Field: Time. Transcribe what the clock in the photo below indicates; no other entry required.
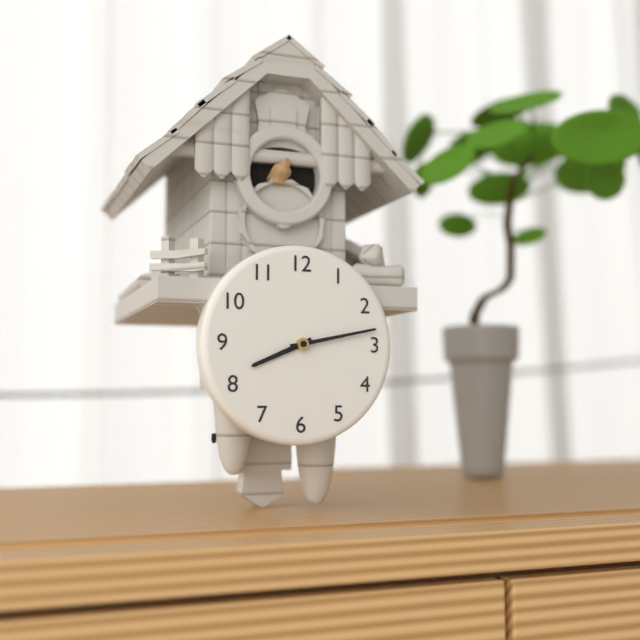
8:13
